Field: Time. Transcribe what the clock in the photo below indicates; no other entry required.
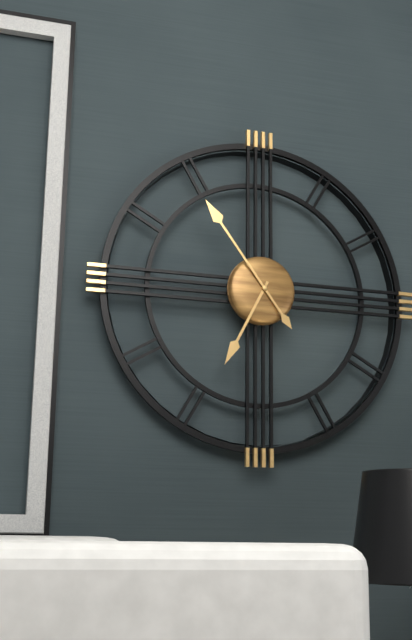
6:54
